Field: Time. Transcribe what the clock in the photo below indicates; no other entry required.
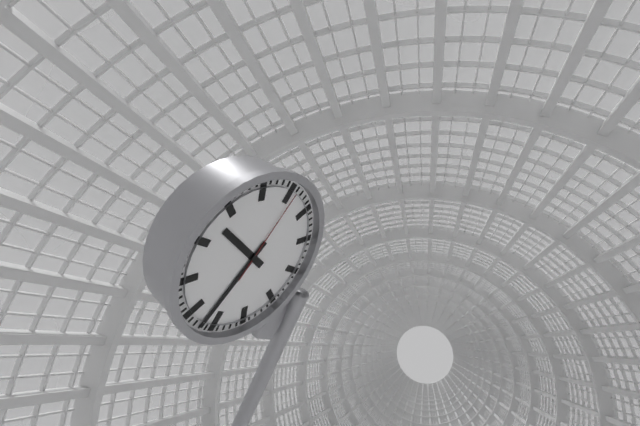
9:32:01
